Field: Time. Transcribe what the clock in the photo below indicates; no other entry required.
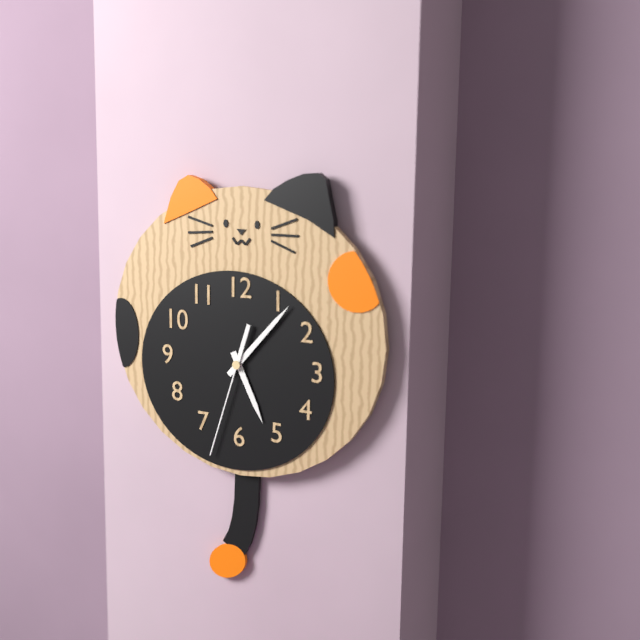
5:07:33
